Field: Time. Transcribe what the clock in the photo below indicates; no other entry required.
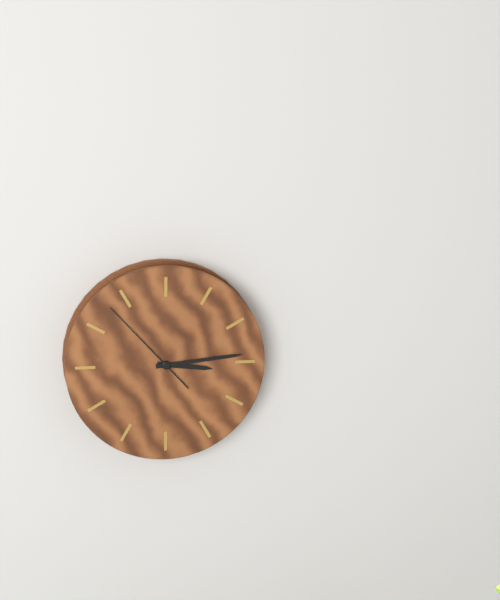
3:14:53
